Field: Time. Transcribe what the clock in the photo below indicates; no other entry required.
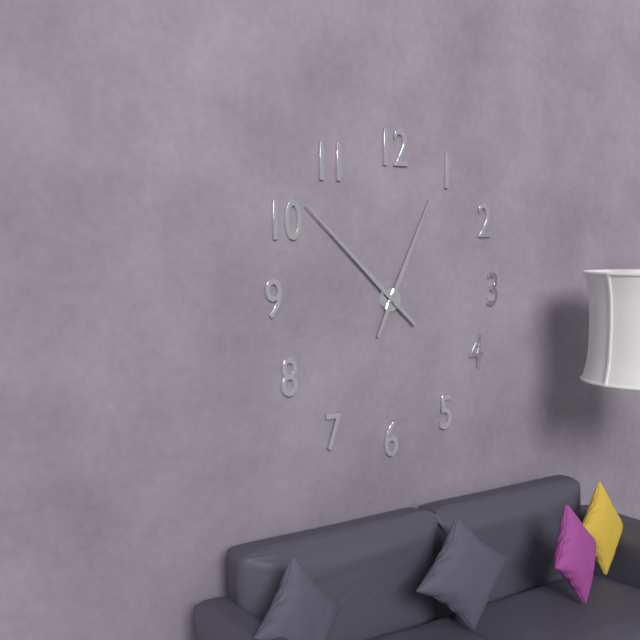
12:52
